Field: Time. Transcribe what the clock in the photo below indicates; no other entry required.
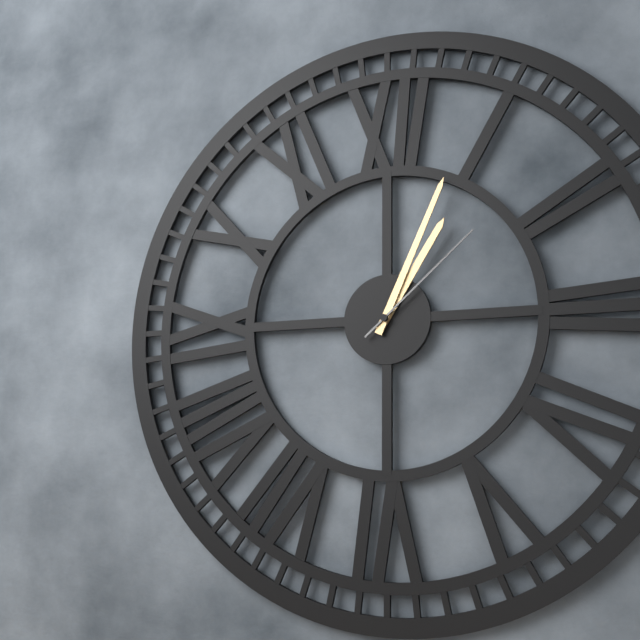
1:04:08
